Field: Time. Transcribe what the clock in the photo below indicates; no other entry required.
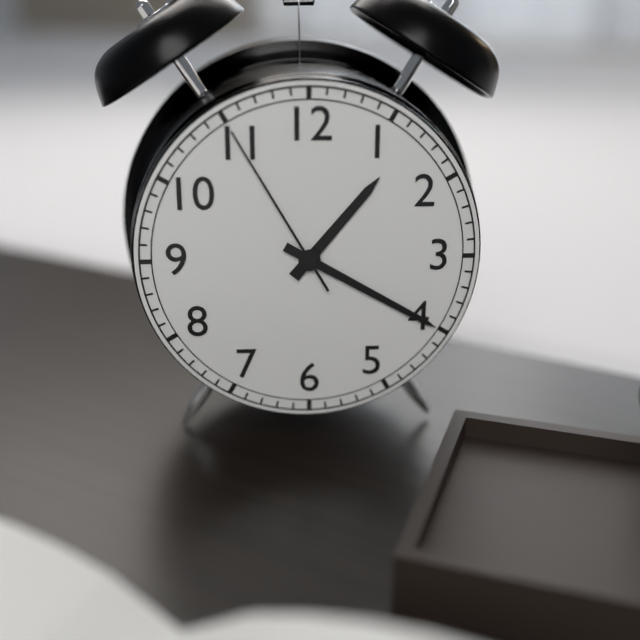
1:20:55
